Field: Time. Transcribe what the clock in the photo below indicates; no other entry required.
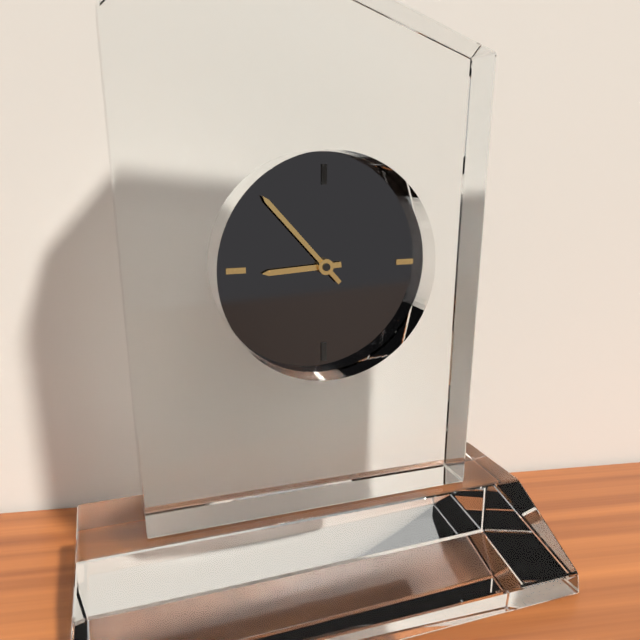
8:53
